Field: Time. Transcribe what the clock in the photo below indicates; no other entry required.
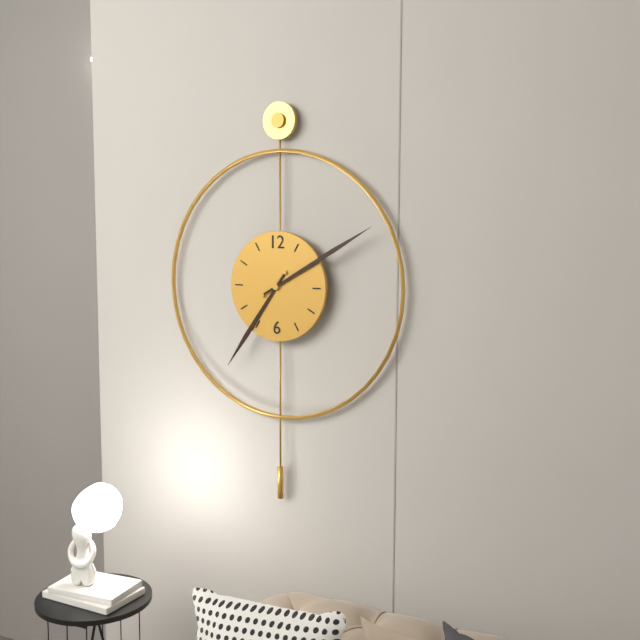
7:10
